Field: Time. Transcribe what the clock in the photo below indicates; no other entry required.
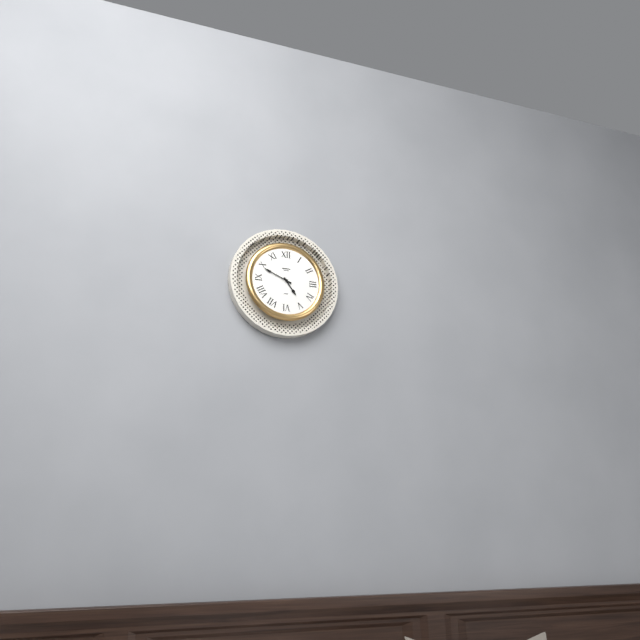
4:49
